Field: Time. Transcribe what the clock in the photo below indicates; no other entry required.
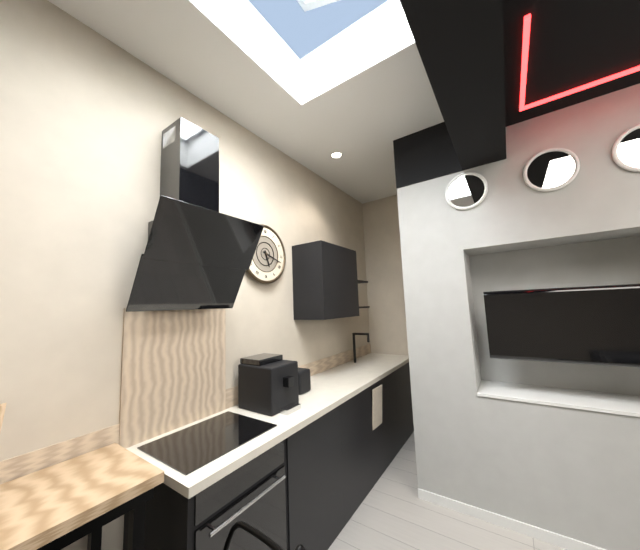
5:18
